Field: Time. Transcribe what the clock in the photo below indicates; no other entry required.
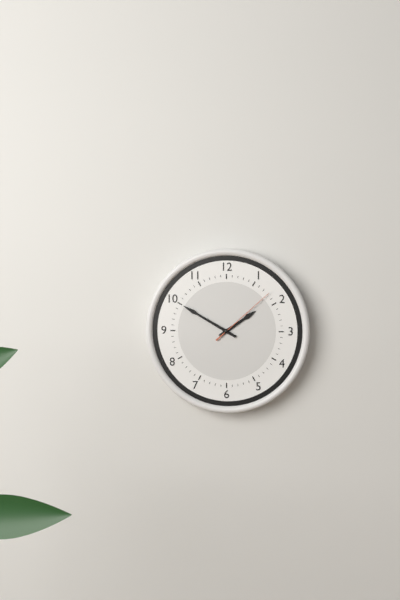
1:50:08
